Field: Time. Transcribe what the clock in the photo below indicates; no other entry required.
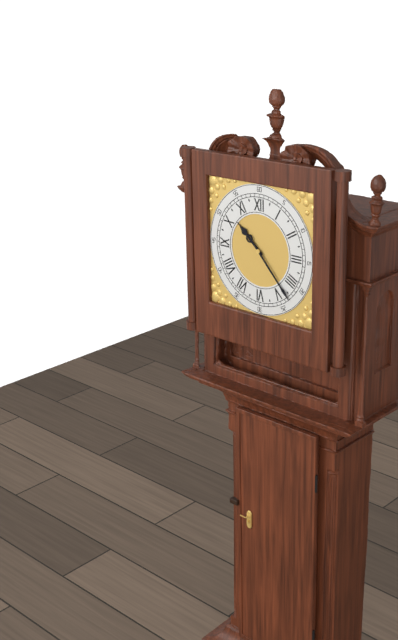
10:23
